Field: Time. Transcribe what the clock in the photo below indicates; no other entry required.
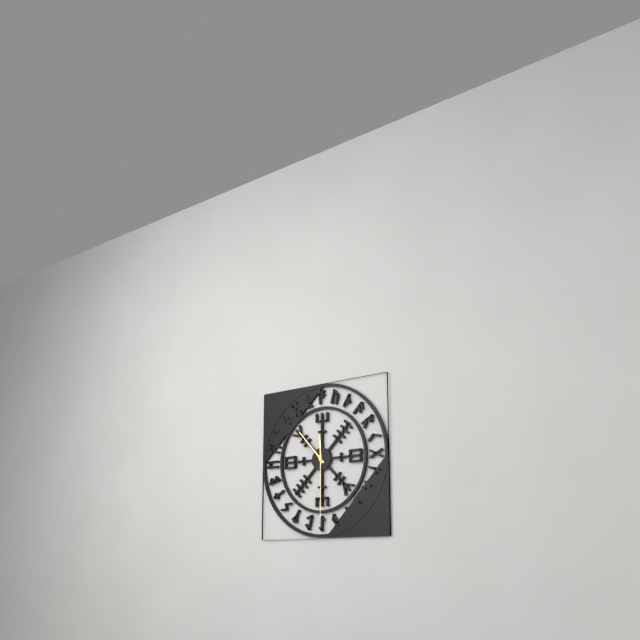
11:53:30
